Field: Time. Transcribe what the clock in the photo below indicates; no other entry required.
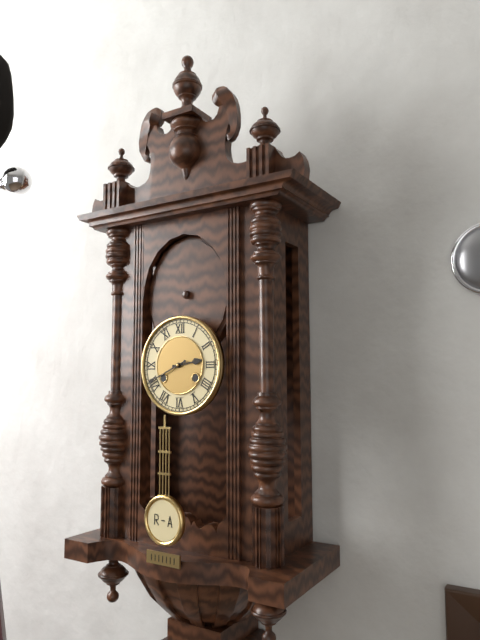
2:41
